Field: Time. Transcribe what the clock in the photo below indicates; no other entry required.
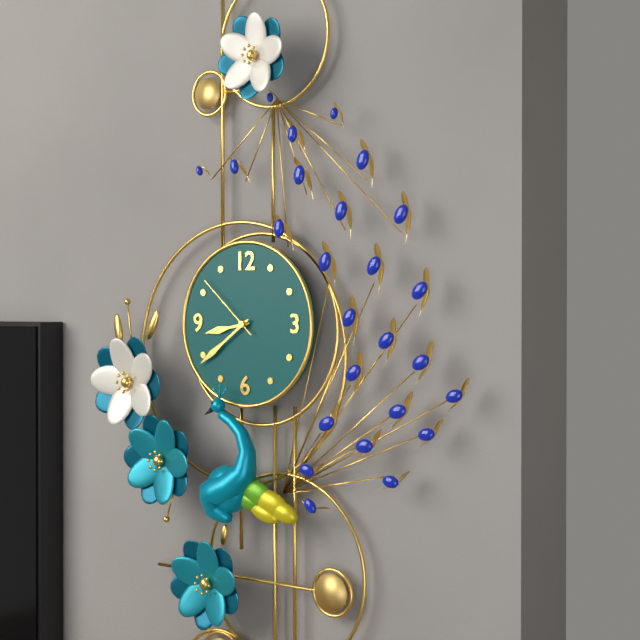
8:39:52
